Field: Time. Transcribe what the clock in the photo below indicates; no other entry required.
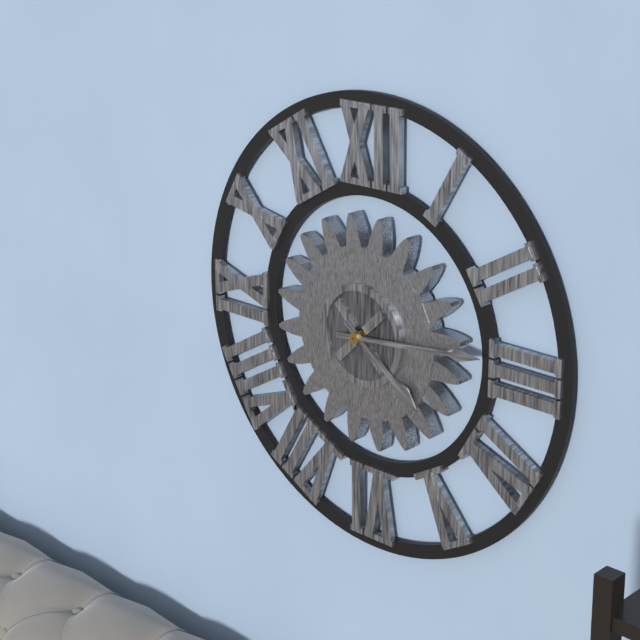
4:14
